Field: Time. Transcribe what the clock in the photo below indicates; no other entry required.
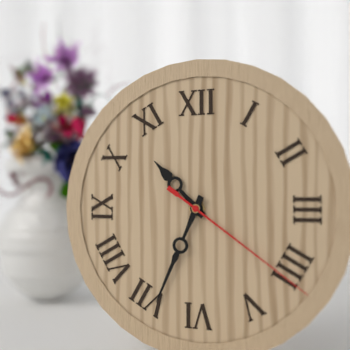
10:34:21
